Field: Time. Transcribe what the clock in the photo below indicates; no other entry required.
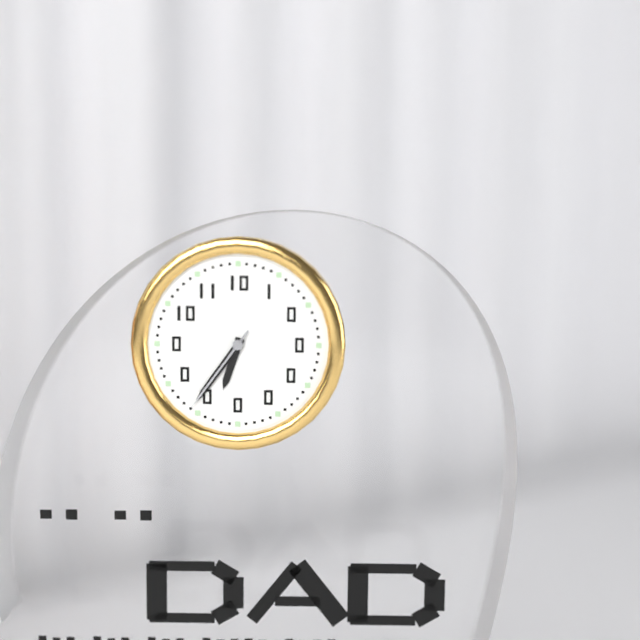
6:36:36
